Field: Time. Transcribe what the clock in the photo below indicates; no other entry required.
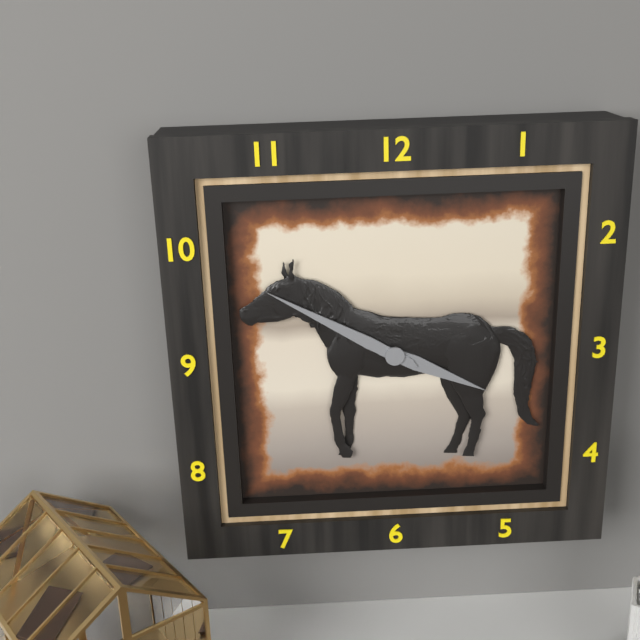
3:50
